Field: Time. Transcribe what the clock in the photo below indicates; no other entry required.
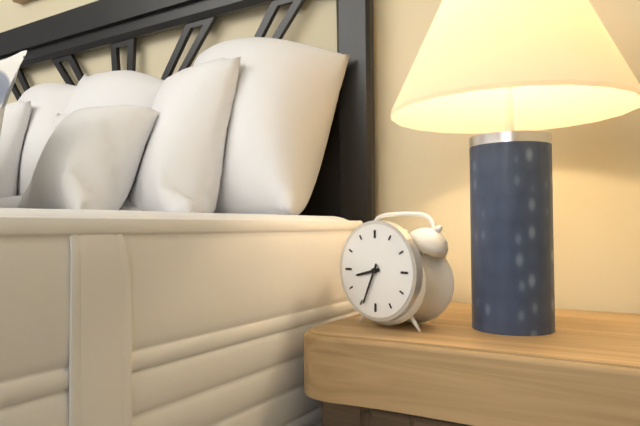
8:34
